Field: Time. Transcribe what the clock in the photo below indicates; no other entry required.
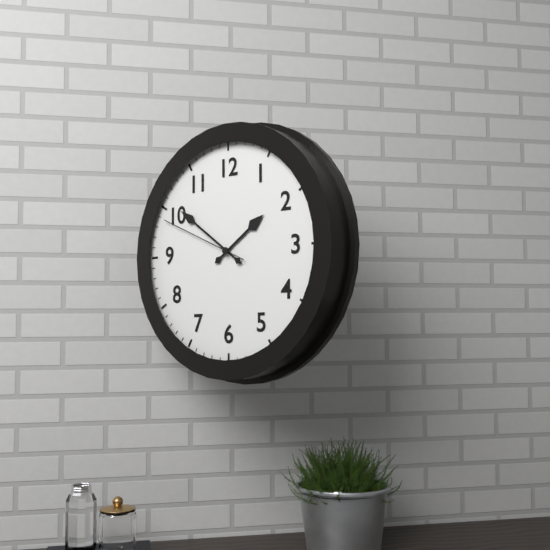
1:51:49
